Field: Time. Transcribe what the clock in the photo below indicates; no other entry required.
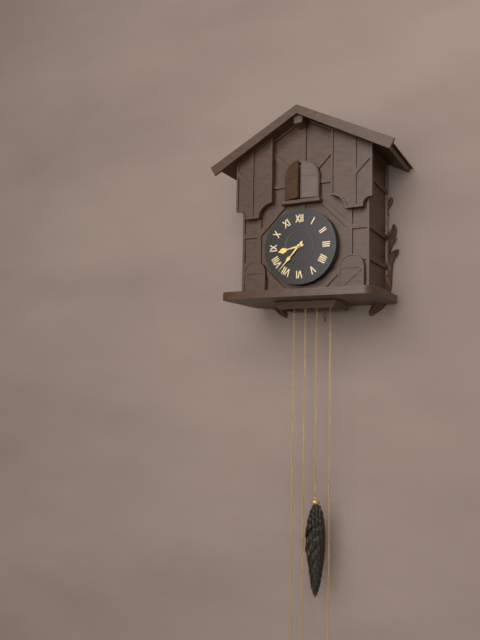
8:37
